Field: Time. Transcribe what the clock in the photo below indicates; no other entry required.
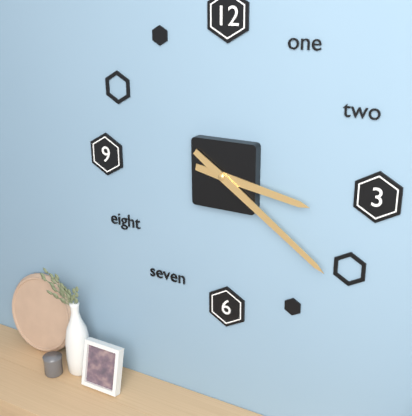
3:21
